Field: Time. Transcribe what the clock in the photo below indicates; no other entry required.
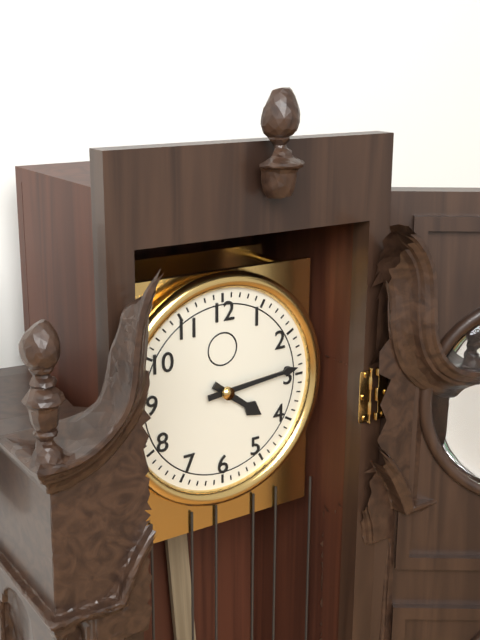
4:14
